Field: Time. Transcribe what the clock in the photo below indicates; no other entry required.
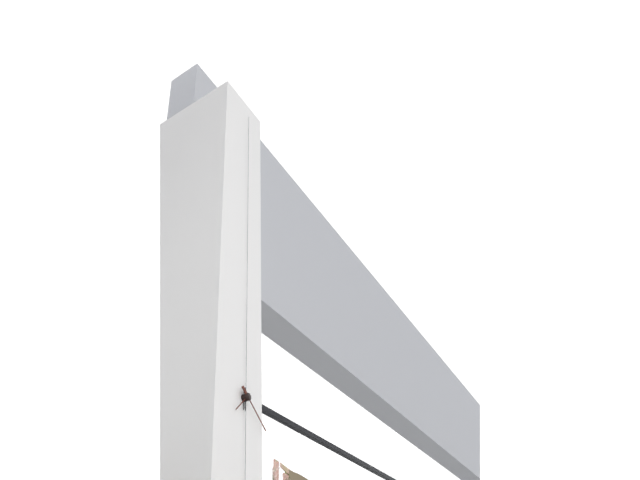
7:22
